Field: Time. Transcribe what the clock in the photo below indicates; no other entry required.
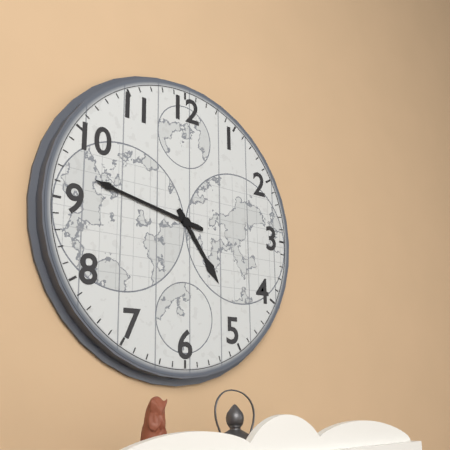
4:47
